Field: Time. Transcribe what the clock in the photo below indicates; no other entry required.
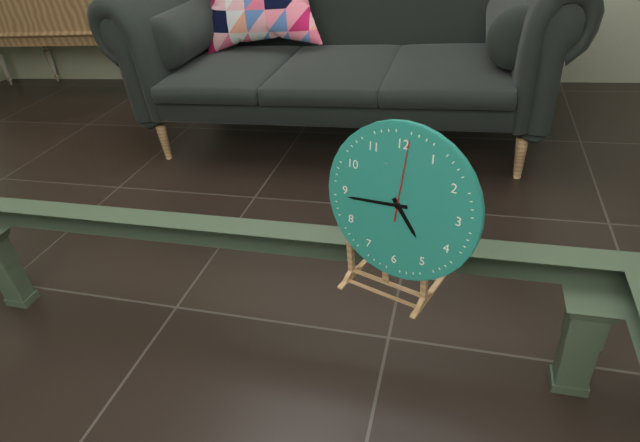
4:44:01
